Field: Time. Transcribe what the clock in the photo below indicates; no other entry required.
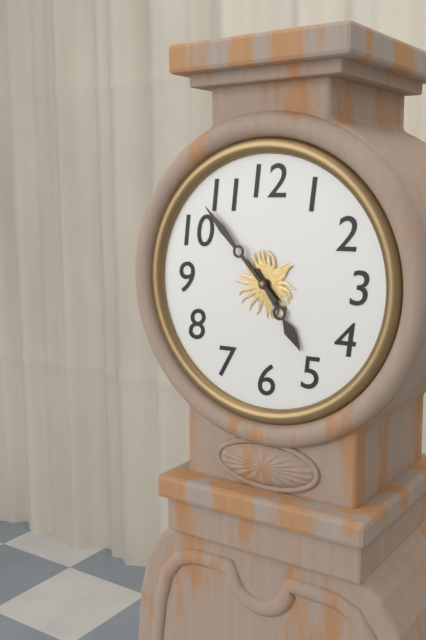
4:53
